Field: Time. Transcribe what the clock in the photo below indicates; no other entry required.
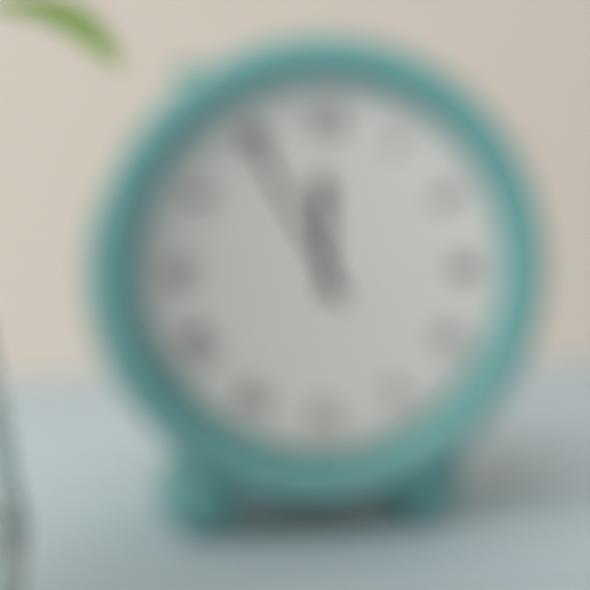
11:55
